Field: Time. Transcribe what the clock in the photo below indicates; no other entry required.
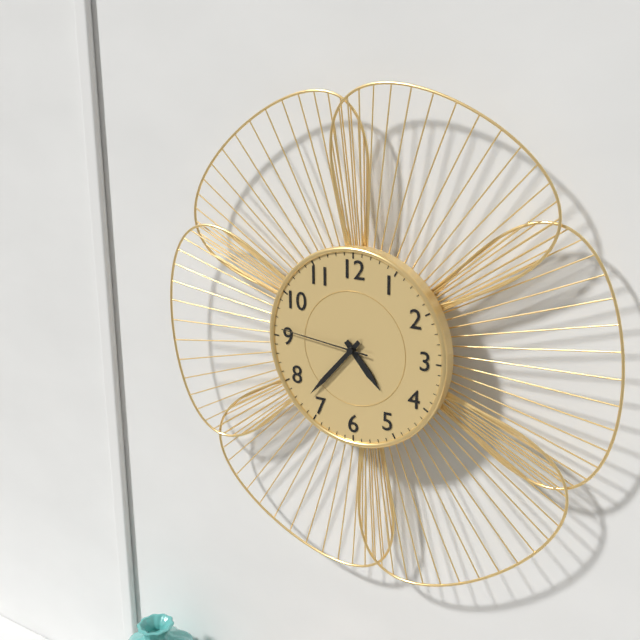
4:37:46
